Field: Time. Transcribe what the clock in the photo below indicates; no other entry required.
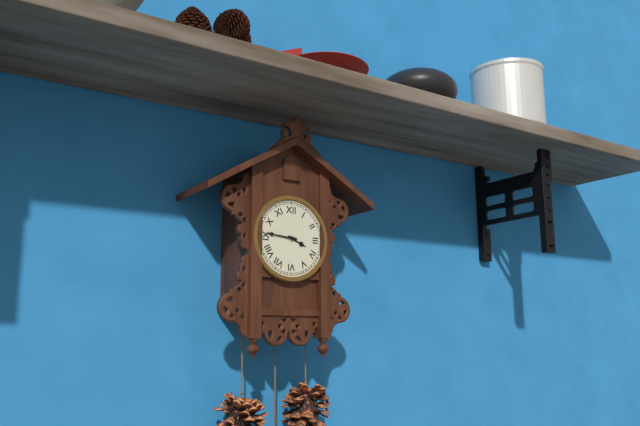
3:46
